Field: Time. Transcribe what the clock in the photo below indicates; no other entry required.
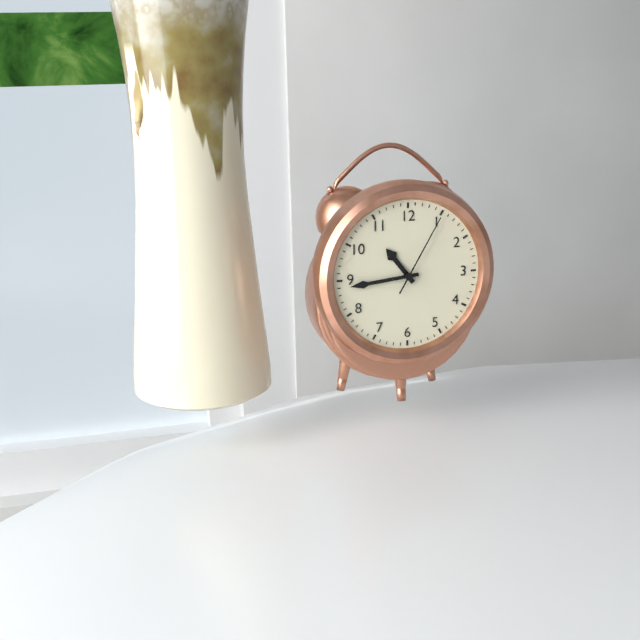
10:44:05
